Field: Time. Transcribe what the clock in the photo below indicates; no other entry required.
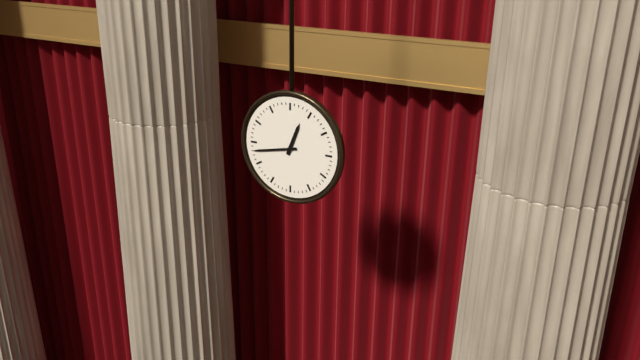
12:43
